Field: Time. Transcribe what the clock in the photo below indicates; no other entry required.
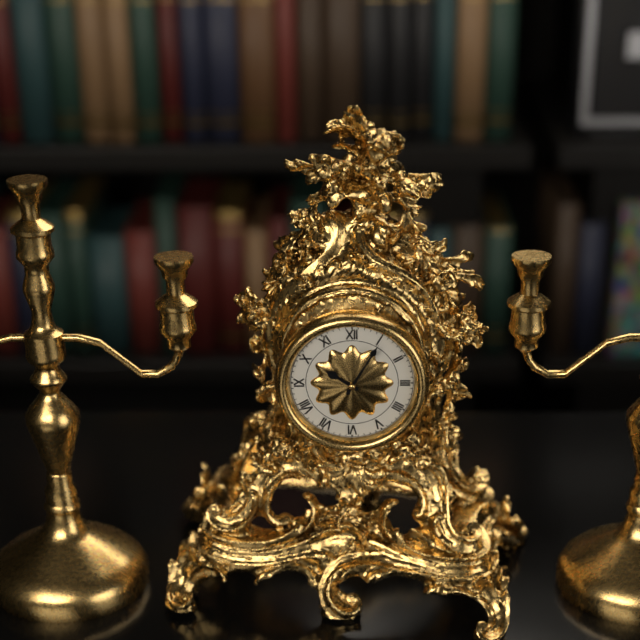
10:05
